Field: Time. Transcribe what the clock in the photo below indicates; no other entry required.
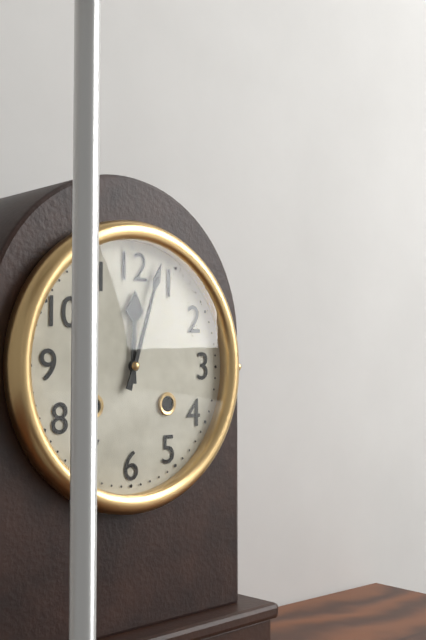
12:03
